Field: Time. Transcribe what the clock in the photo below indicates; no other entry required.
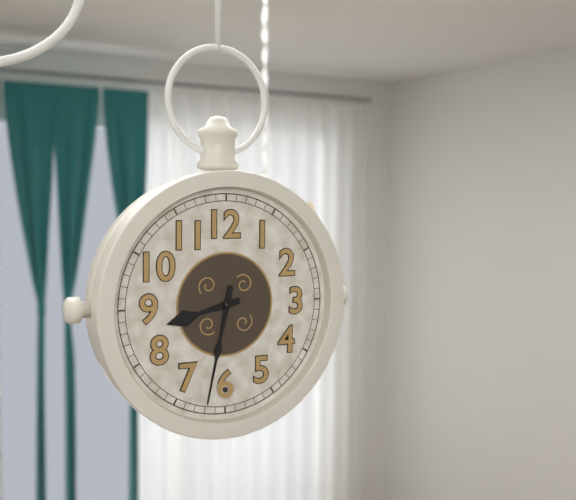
8:32
